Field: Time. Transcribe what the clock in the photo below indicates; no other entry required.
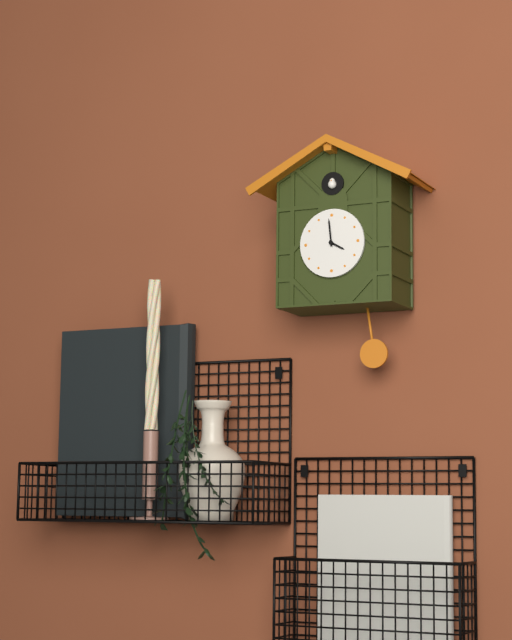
3:59
